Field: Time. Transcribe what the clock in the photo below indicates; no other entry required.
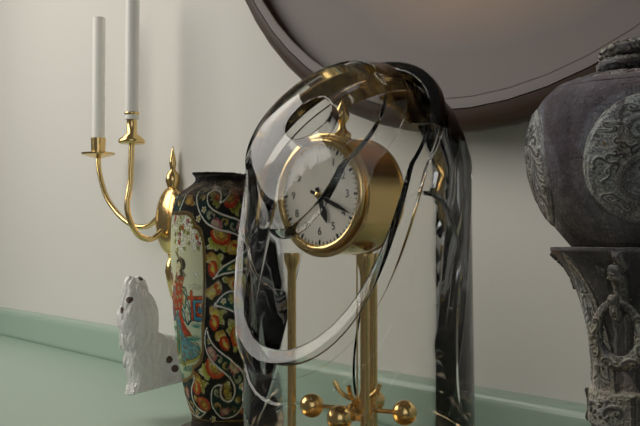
5:19
